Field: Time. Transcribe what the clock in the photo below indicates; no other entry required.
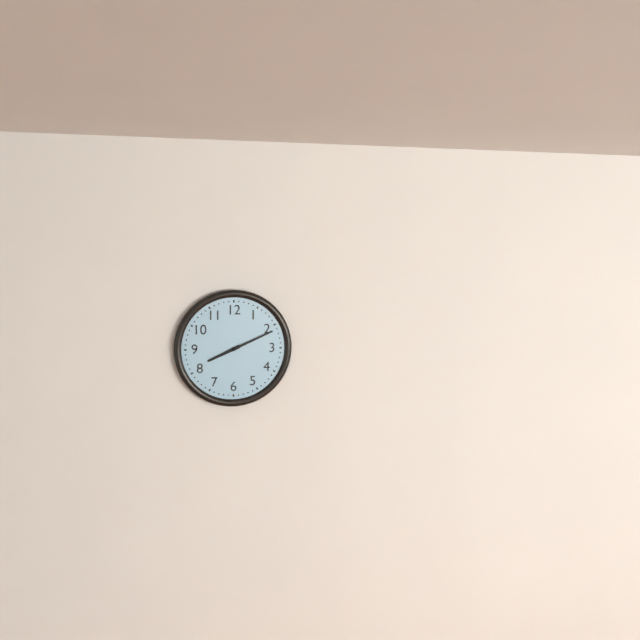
8:11
